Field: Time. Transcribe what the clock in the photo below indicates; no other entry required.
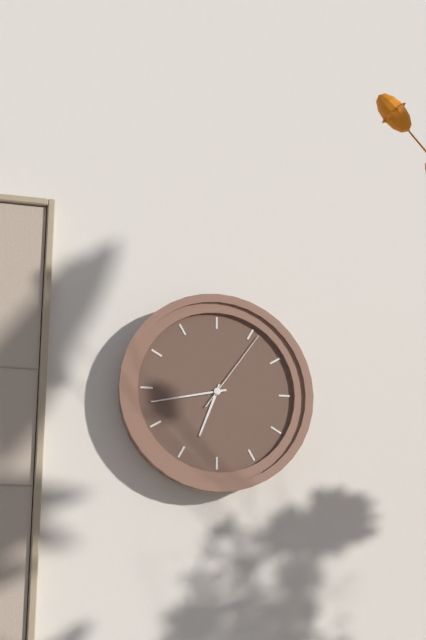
6:43:06
